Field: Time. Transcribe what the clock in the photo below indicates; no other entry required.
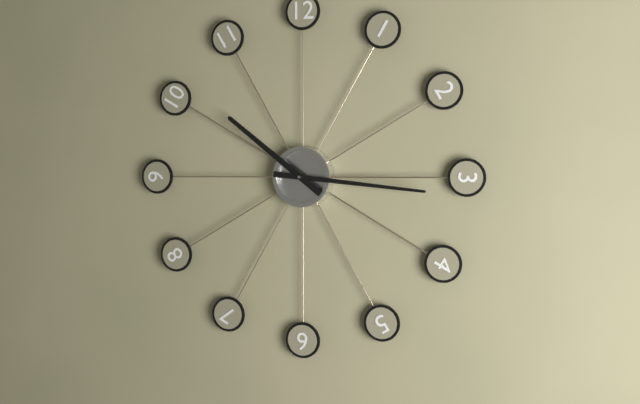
10:16
